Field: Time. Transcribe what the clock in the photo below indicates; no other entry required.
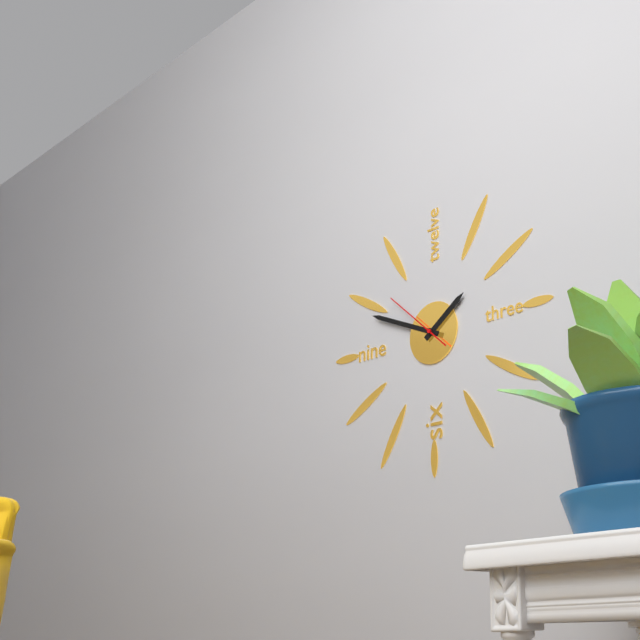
1:49:52
